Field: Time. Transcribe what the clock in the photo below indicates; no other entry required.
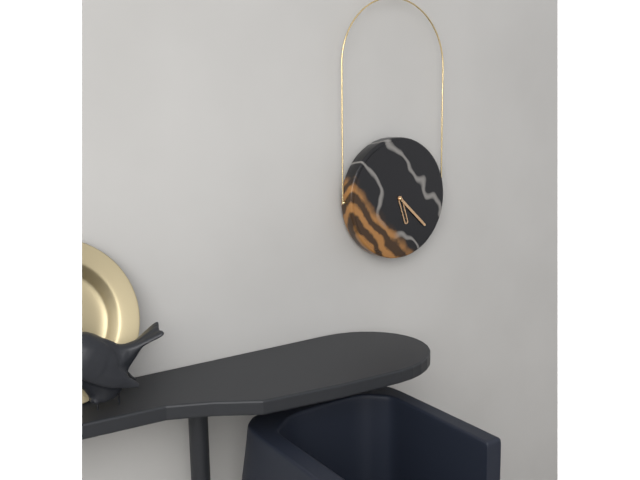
5:22
